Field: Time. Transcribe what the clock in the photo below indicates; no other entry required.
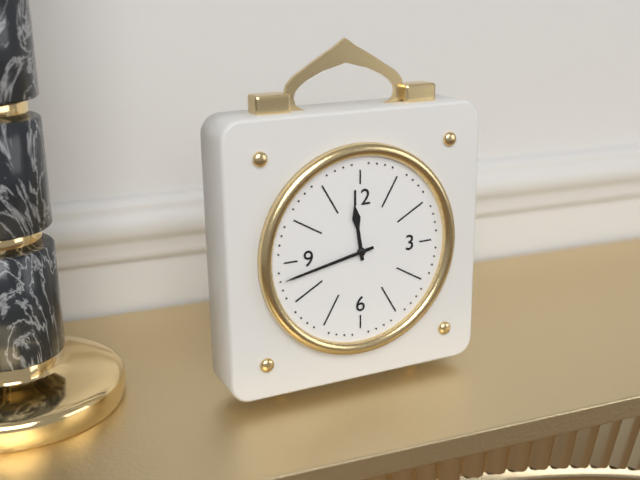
11:43
